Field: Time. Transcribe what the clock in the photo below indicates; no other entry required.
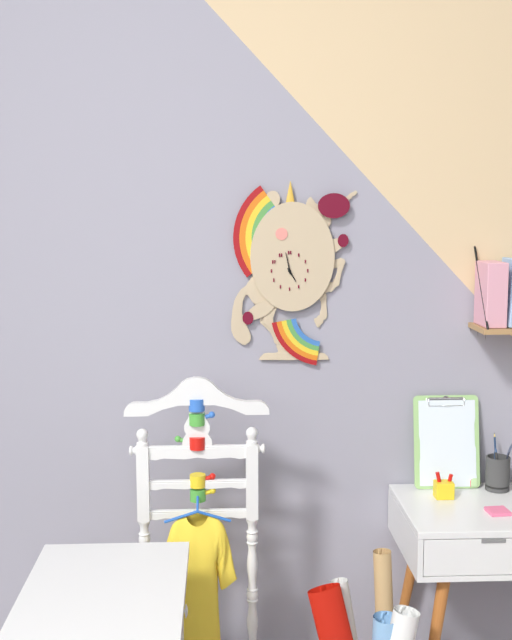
4:58
